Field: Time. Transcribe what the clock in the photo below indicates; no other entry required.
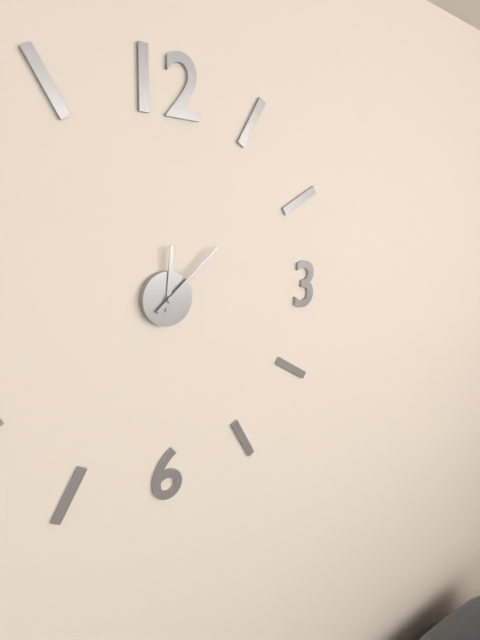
12:08
